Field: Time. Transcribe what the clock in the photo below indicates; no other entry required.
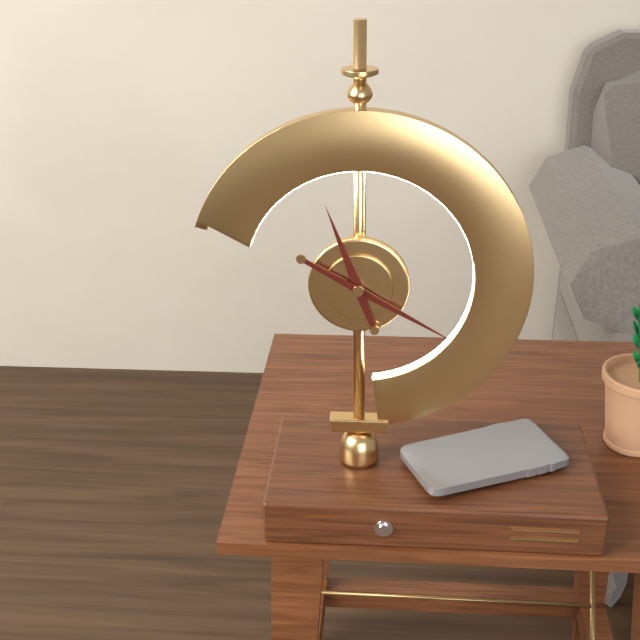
11:20
